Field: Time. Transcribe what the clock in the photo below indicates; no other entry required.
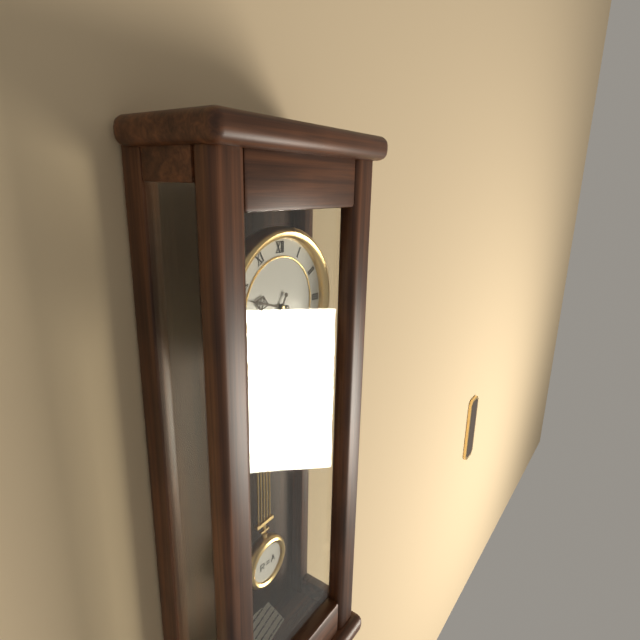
9:35
